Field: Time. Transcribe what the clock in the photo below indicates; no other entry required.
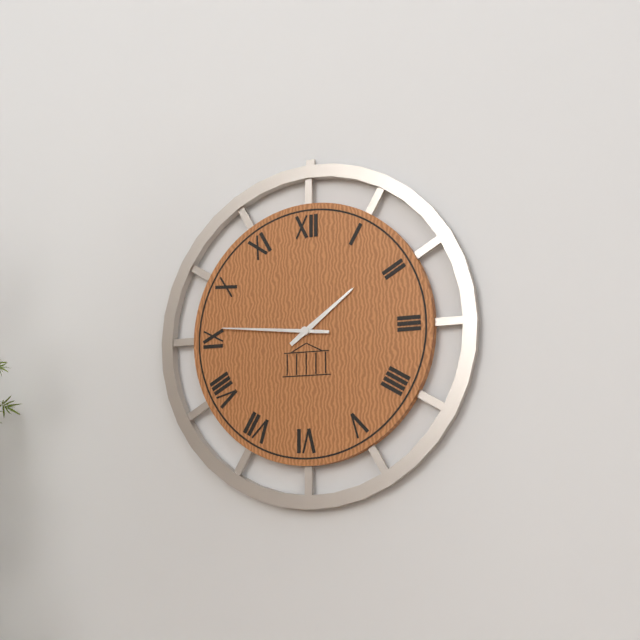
1:46
